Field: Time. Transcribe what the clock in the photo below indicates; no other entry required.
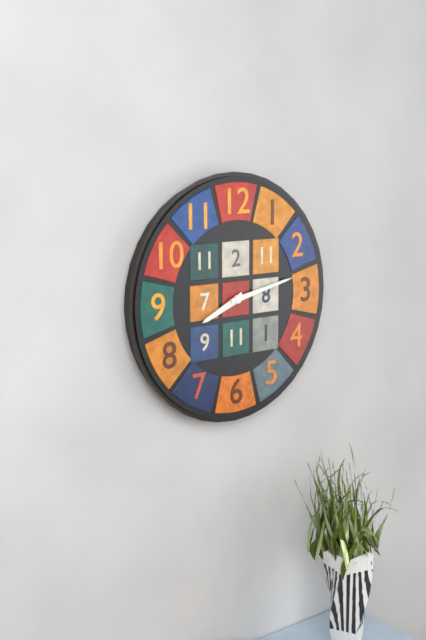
8:13
